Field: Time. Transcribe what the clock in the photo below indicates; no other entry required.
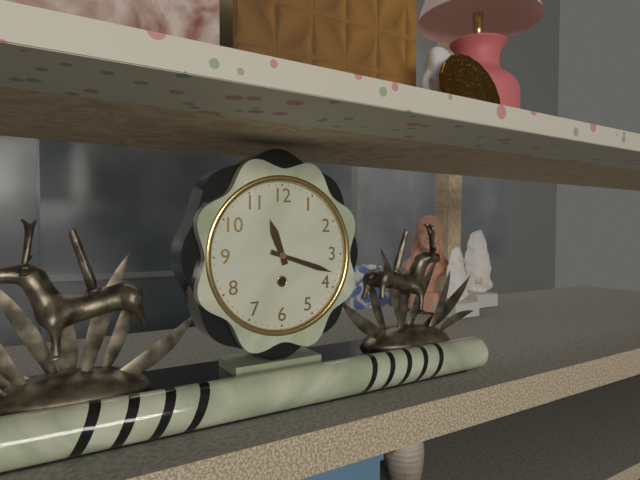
11:18
